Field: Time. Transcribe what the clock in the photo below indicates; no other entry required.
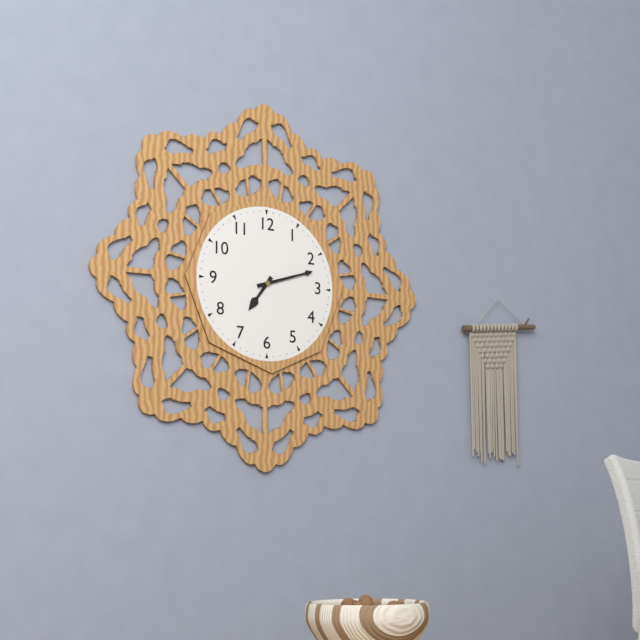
7:12
